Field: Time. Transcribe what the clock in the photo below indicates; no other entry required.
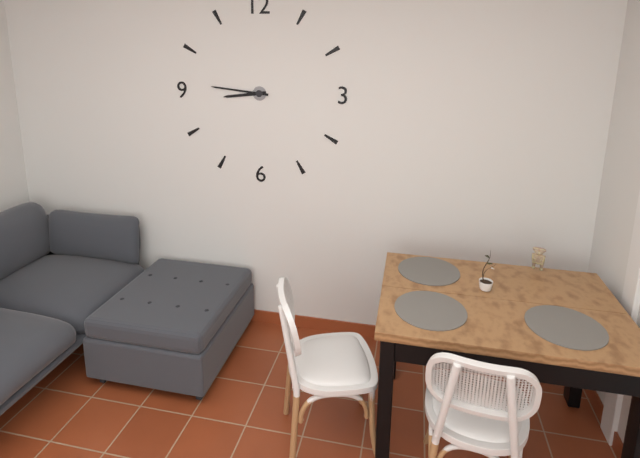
8:46
